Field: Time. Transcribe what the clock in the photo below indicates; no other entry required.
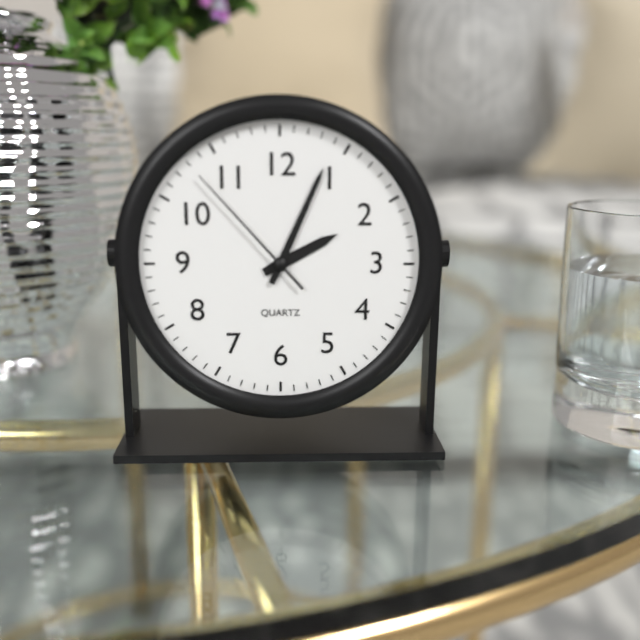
2:04:53
